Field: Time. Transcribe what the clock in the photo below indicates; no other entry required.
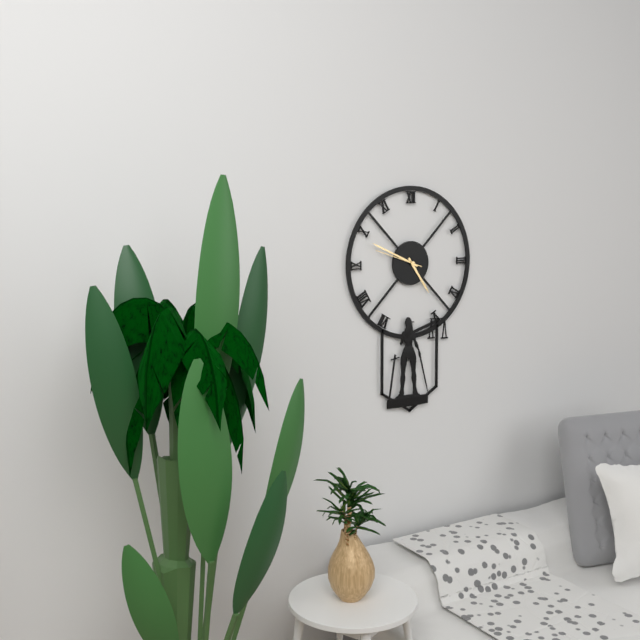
4:49
